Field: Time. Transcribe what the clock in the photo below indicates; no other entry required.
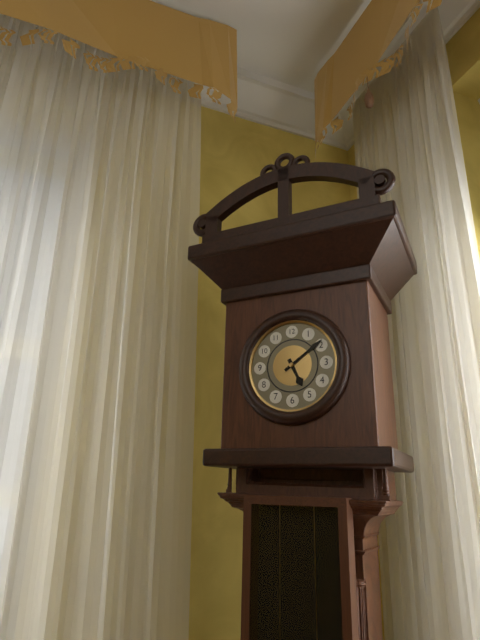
5:09
